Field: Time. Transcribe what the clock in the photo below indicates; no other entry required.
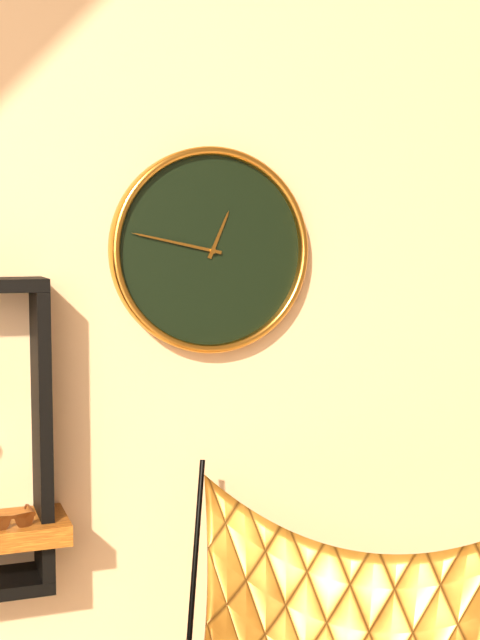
12:47
